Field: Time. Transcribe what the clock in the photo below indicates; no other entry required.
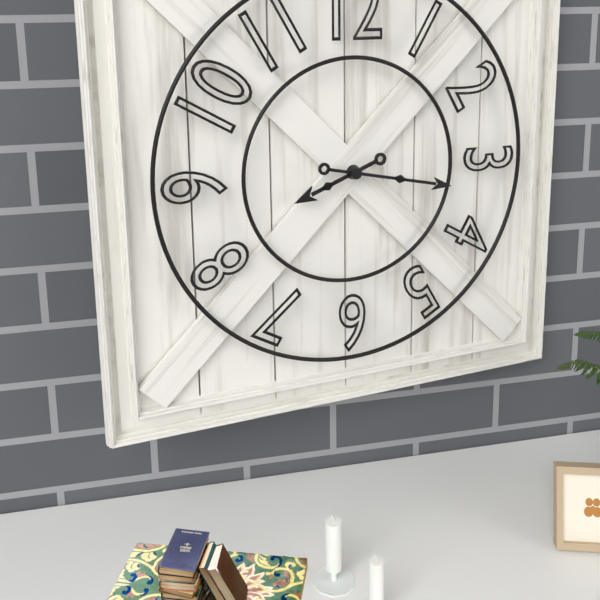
8:17
